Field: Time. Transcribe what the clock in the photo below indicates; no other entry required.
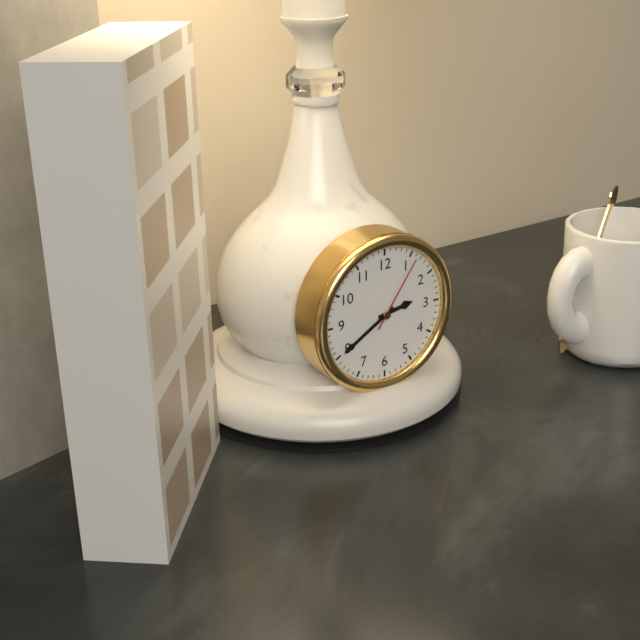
2:40:06
